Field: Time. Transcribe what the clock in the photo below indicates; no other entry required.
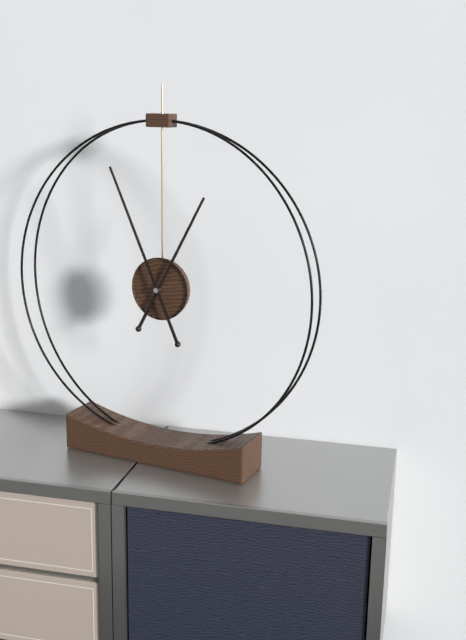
12:56
